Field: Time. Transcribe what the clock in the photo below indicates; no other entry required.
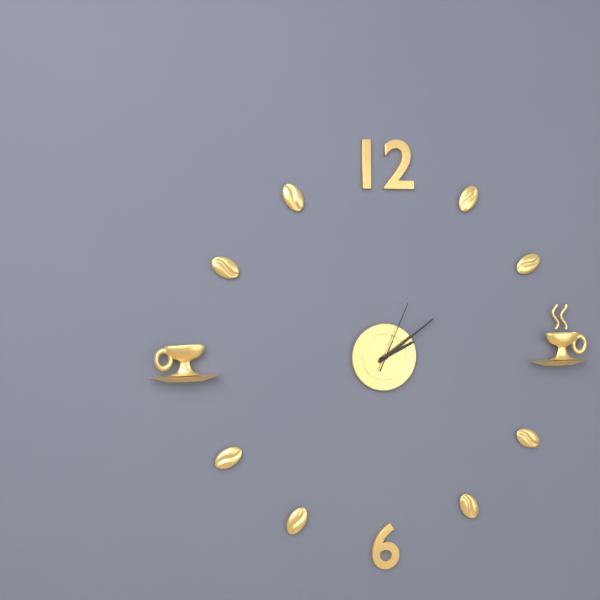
2:09:04
